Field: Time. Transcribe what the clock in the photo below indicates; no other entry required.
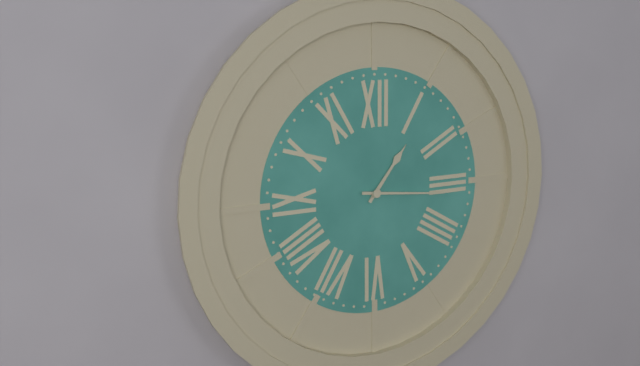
1:16
